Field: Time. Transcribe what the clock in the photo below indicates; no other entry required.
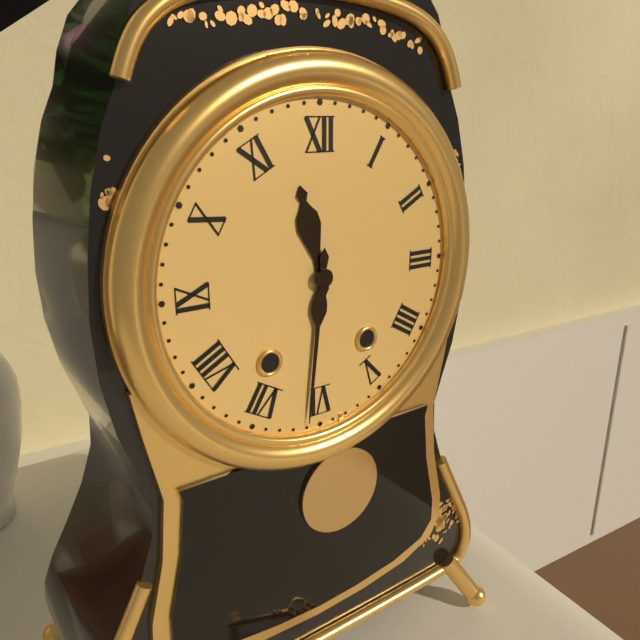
11:31
